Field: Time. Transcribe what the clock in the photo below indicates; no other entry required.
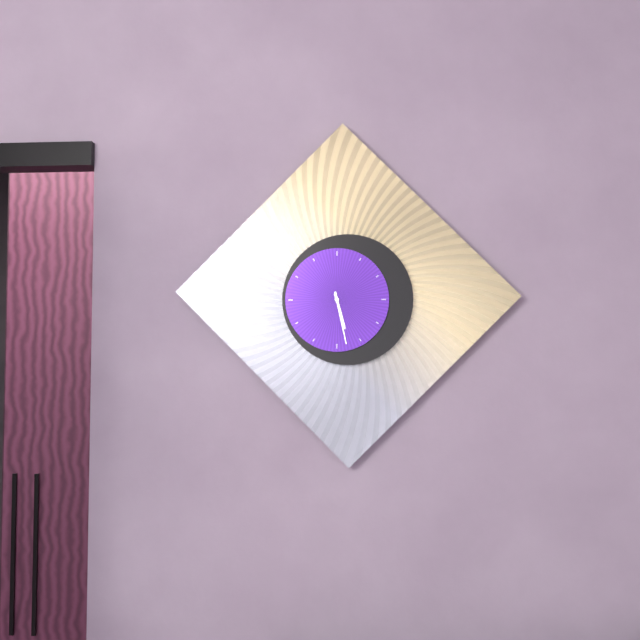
5:28
